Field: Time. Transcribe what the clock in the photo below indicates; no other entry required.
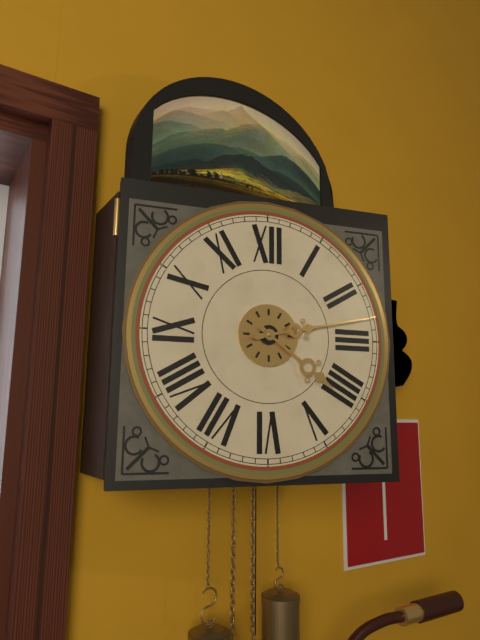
4:13
